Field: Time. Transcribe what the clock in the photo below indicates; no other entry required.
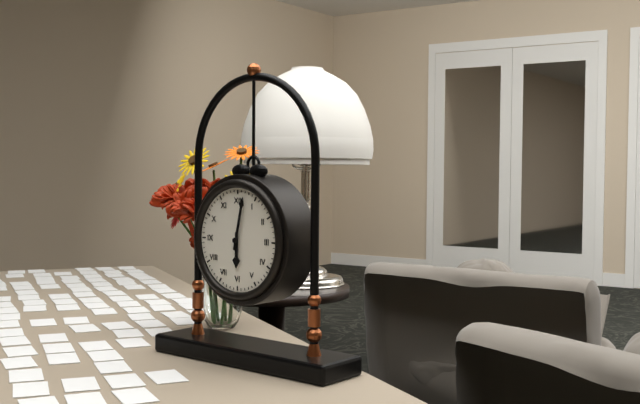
6:02
